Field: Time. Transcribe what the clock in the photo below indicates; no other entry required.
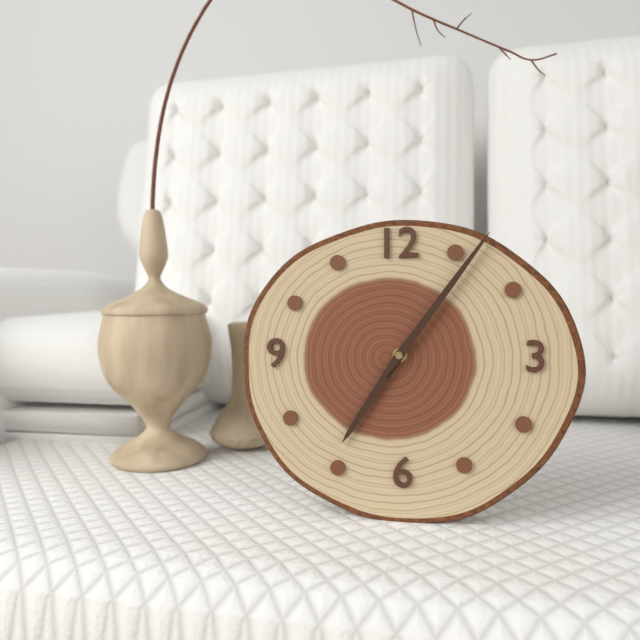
7:06
